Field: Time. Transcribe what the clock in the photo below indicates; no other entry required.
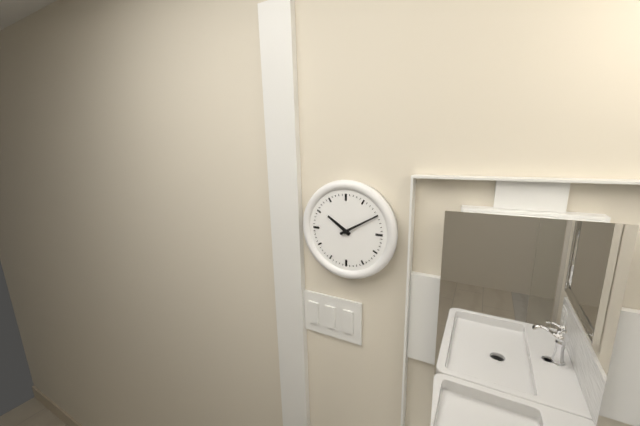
10:10
